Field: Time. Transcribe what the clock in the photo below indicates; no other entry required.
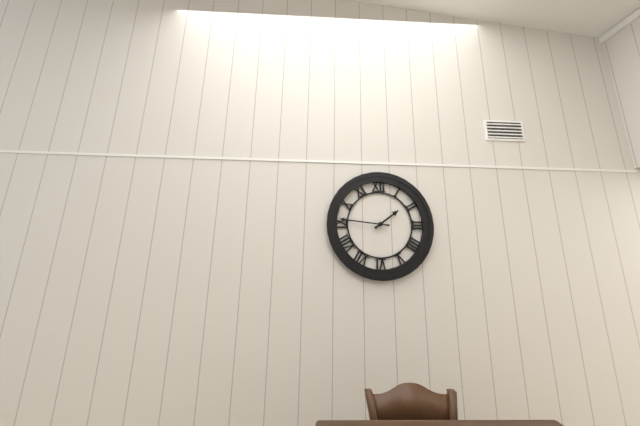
1:46
